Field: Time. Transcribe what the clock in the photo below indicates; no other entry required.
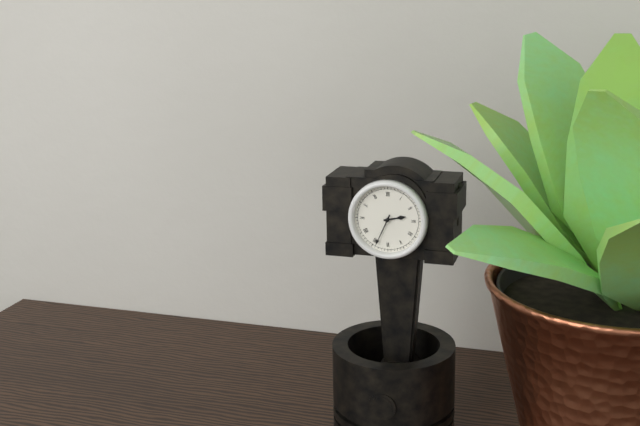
2:34
